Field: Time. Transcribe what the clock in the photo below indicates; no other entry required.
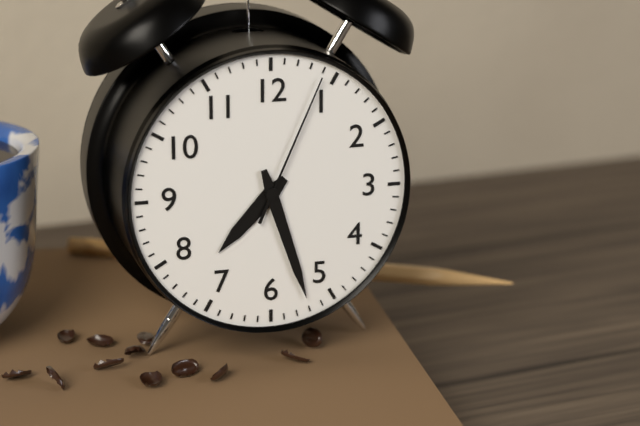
7:27:04
